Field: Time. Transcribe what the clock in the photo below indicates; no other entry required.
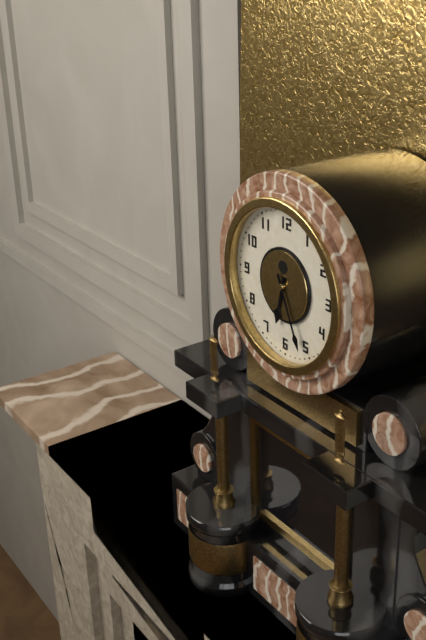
6:26
